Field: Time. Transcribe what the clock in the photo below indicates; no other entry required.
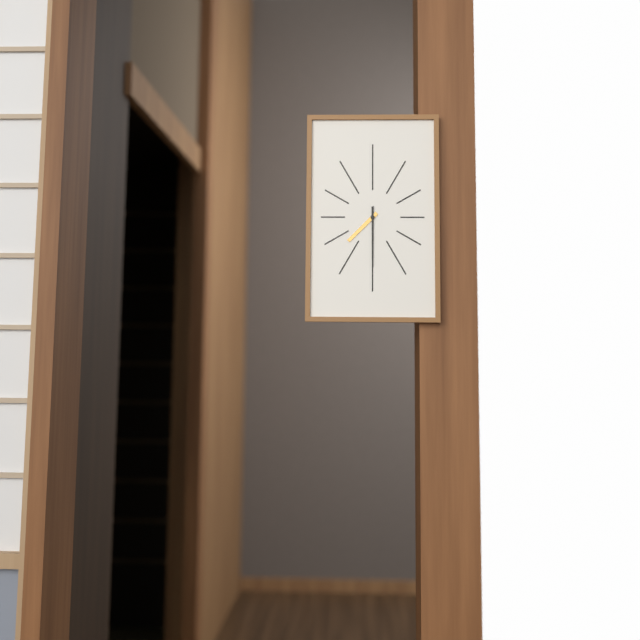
7:30
